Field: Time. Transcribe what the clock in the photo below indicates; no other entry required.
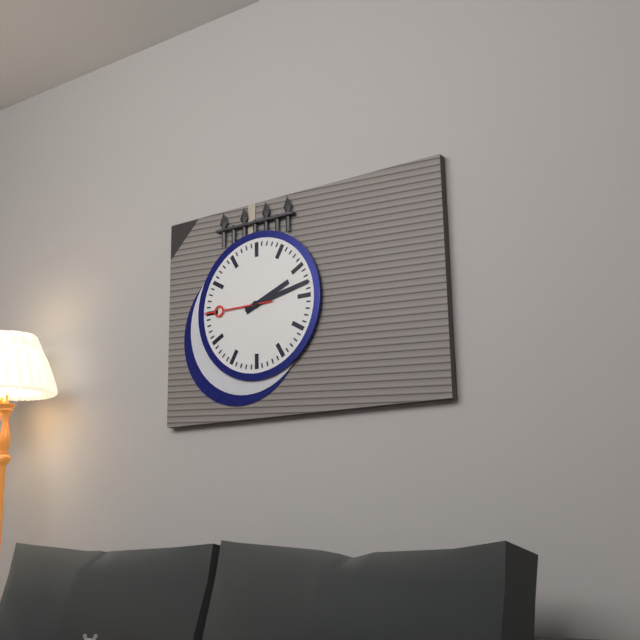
2:13:45
